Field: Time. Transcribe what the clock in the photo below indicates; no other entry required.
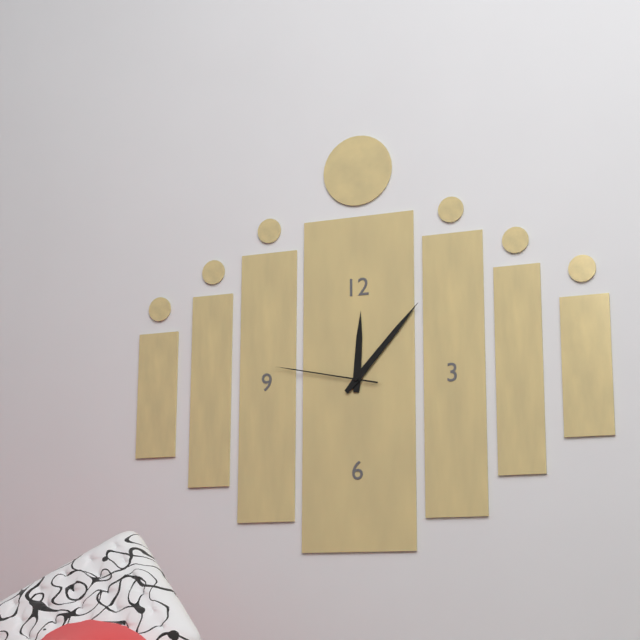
12:07:47
